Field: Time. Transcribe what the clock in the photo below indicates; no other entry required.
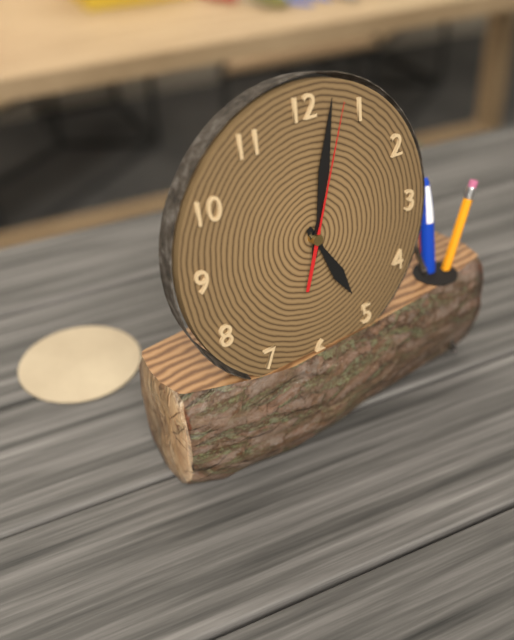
5:02:03
